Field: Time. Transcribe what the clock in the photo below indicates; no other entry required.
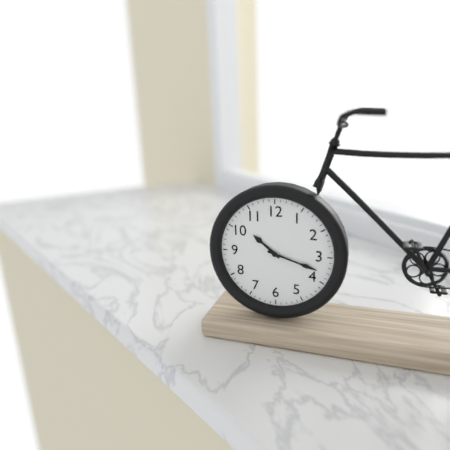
10:18
